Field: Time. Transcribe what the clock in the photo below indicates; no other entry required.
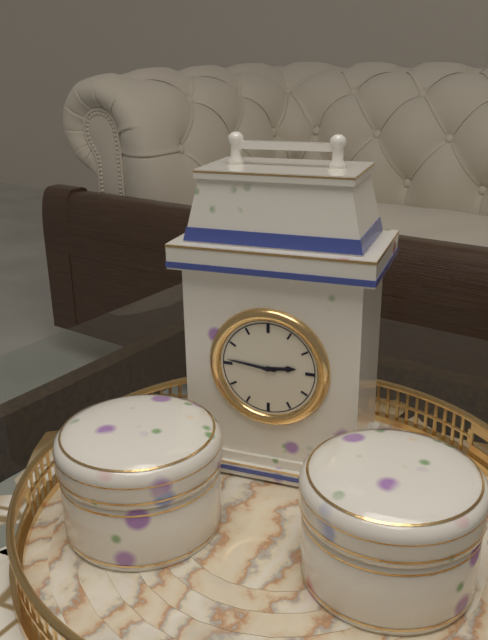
2:46
